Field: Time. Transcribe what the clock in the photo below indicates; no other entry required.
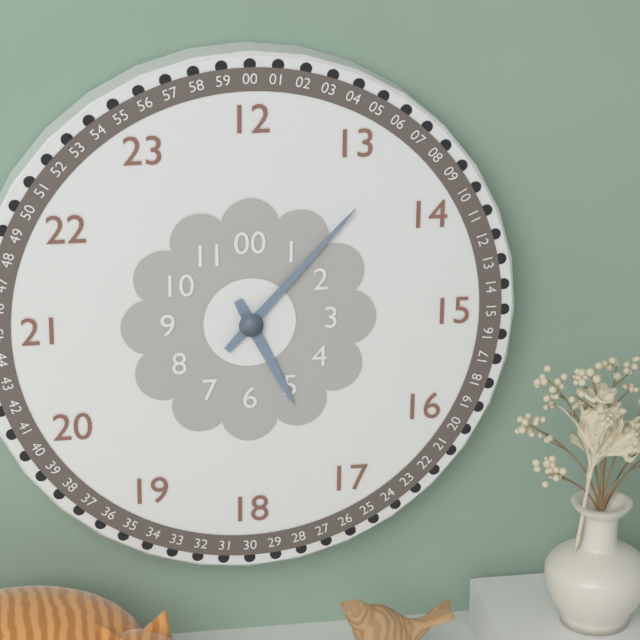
5:07
